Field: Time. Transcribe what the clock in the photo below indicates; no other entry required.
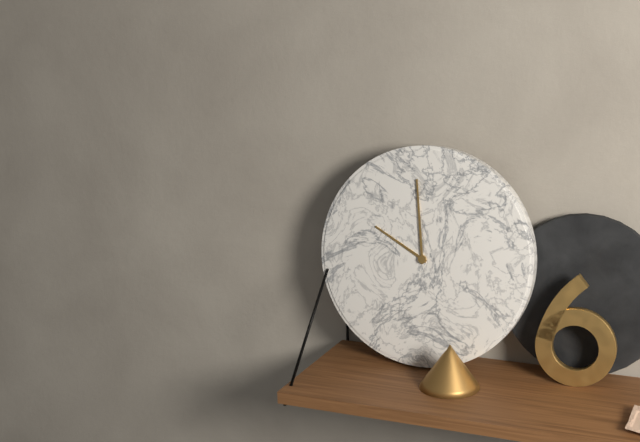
9:59
